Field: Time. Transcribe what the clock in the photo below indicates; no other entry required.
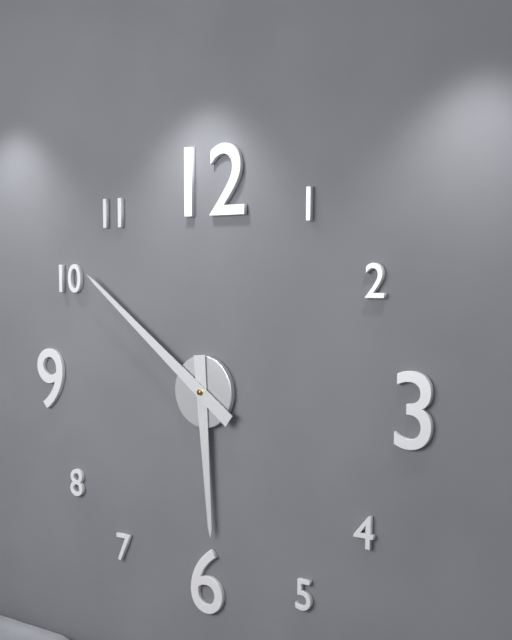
5:51
